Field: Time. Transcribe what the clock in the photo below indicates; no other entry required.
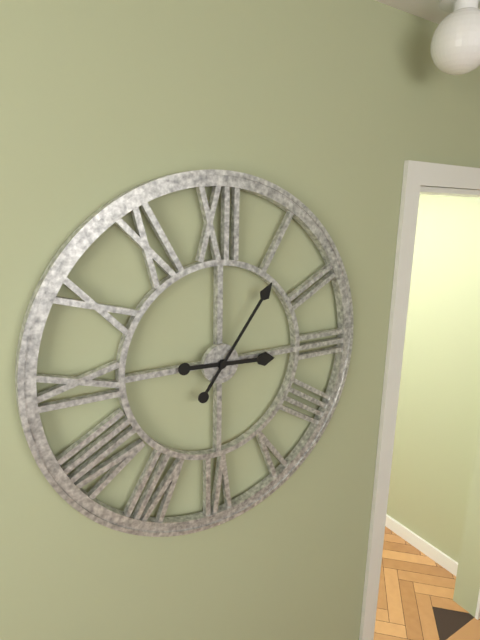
3:06
